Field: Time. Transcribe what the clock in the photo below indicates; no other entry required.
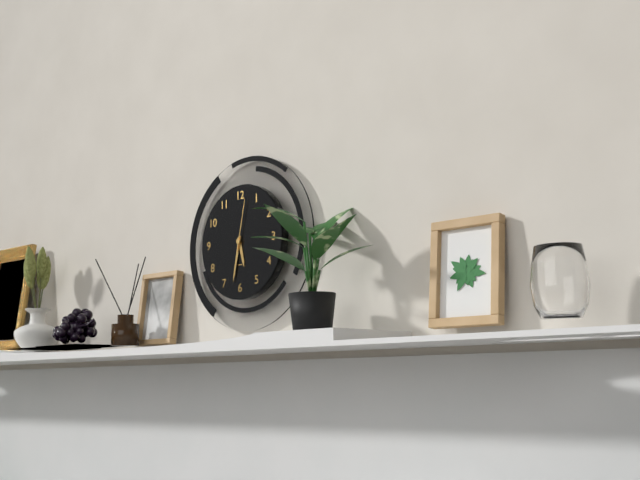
5:32:02
